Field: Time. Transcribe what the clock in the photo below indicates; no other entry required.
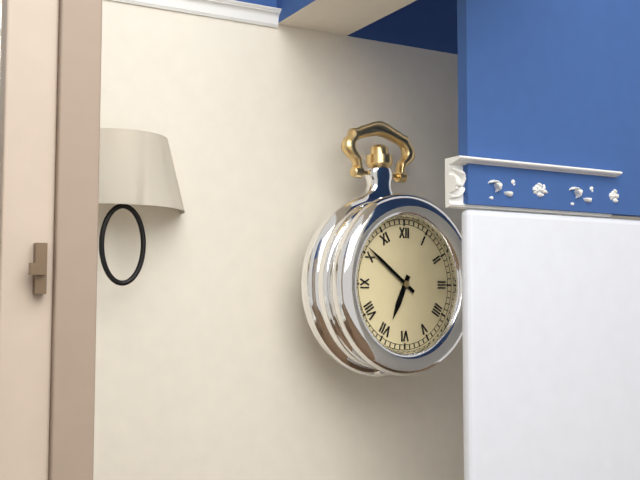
6:51
